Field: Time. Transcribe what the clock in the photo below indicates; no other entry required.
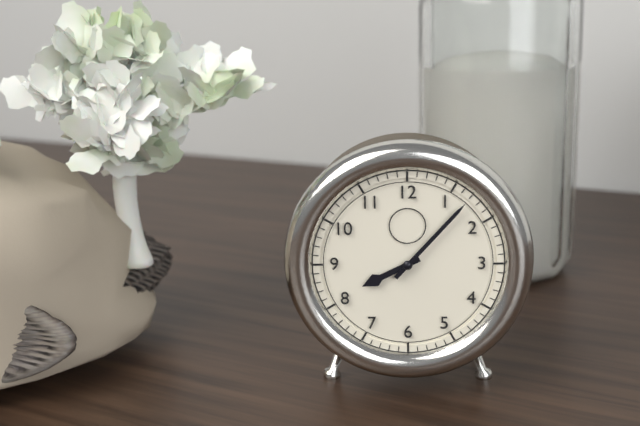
8:07
